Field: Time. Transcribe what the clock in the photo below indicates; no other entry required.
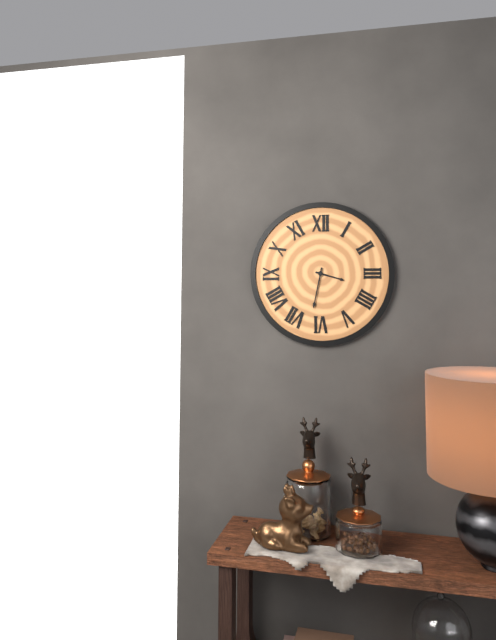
3:32
